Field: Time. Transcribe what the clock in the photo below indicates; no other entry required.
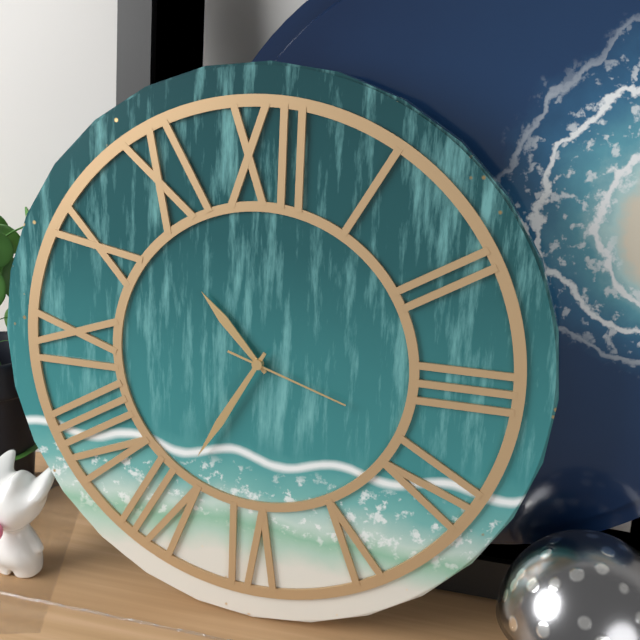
10:35:18
